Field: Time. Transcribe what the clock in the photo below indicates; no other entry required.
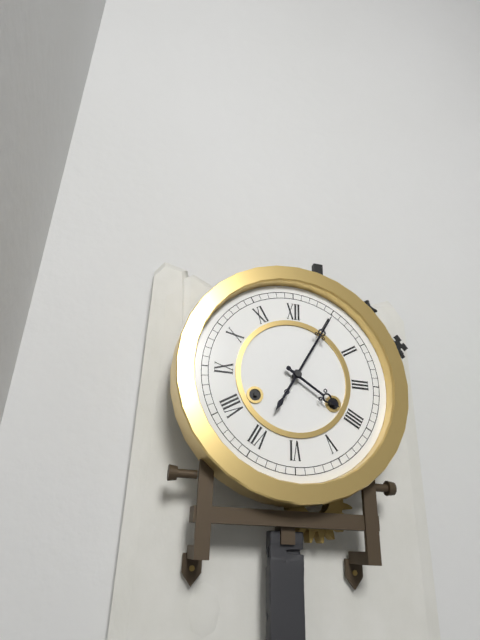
4:05
